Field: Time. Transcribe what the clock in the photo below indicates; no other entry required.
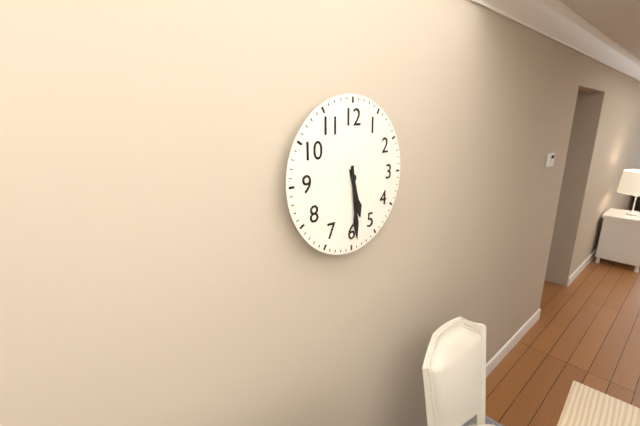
5:29
